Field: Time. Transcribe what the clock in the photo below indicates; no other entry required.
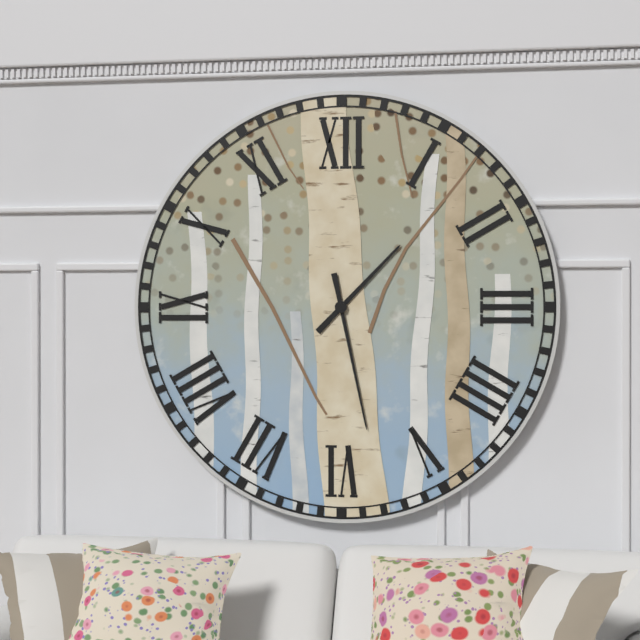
1:28
